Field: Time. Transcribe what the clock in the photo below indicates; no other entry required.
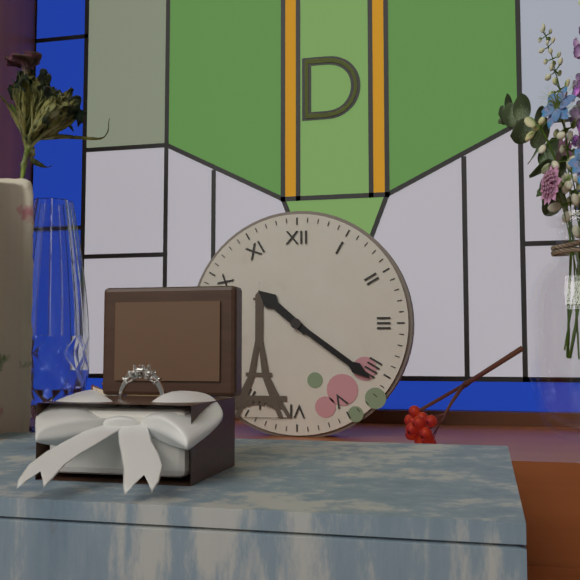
10:21
